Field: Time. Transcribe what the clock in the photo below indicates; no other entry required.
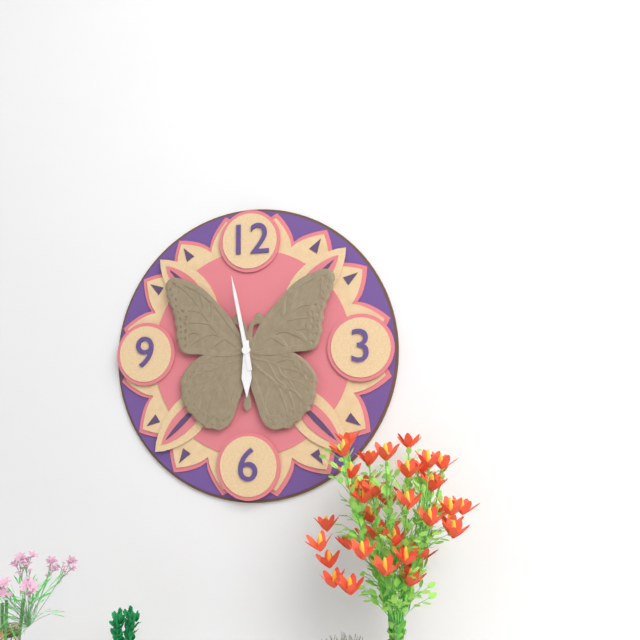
5:58
